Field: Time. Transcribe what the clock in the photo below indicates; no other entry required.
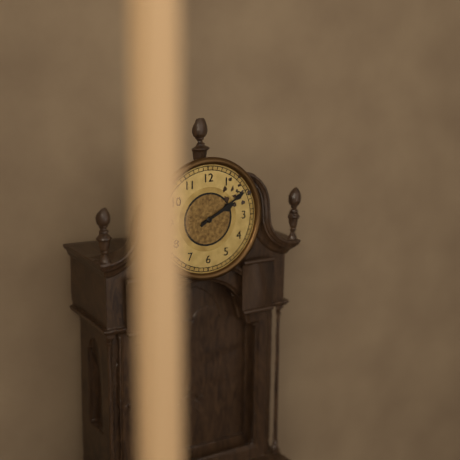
2:10
